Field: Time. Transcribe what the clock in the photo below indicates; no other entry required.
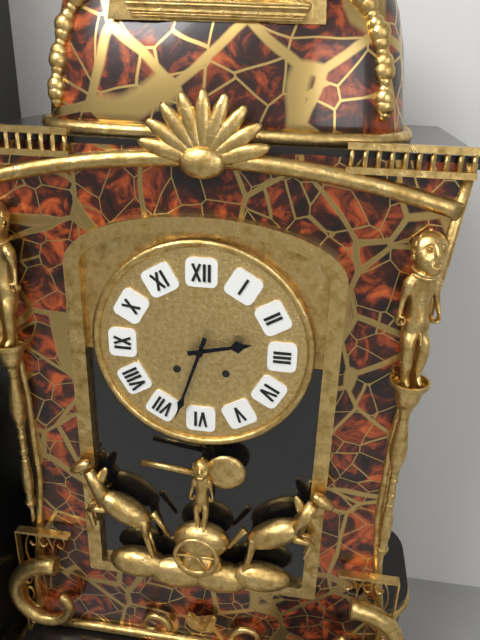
2:33
